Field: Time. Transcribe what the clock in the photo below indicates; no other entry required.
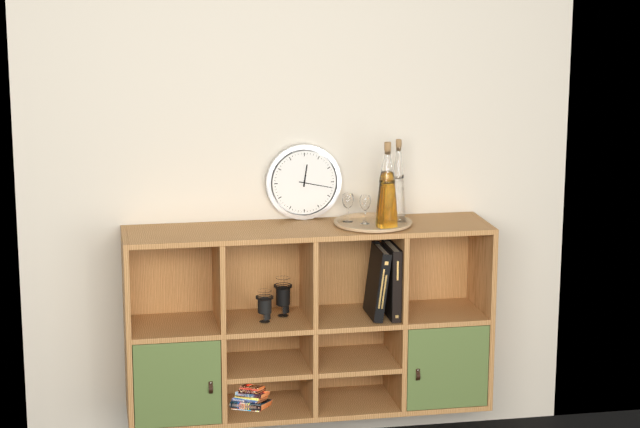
12:17
